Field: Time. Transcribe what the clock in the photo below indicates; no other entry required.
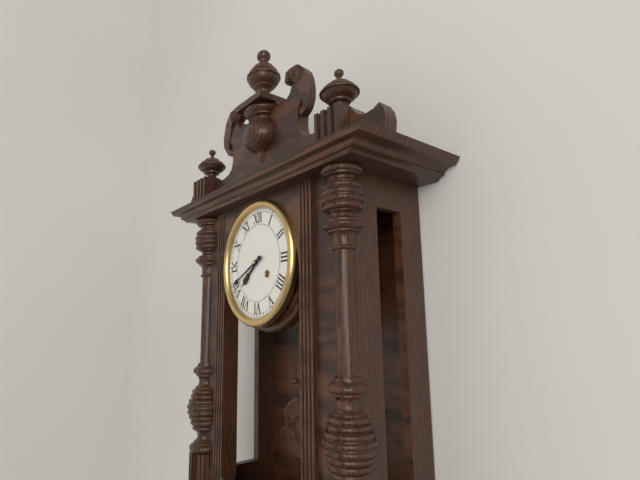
7:41
